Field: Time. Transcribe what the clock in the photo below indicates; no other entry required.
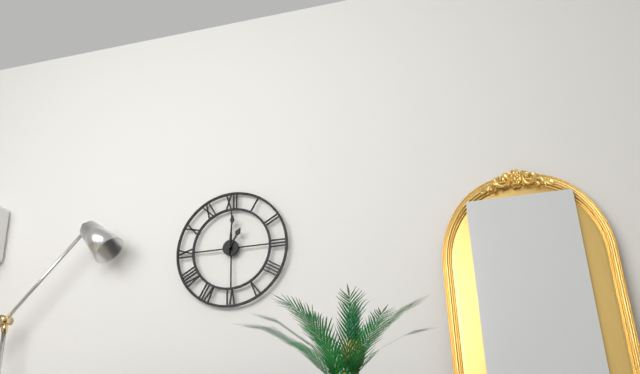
1:01
